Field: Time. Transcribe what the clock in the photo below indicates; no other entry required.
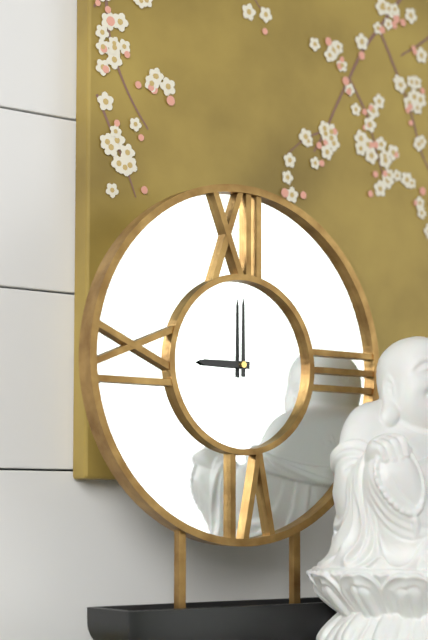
9:00
